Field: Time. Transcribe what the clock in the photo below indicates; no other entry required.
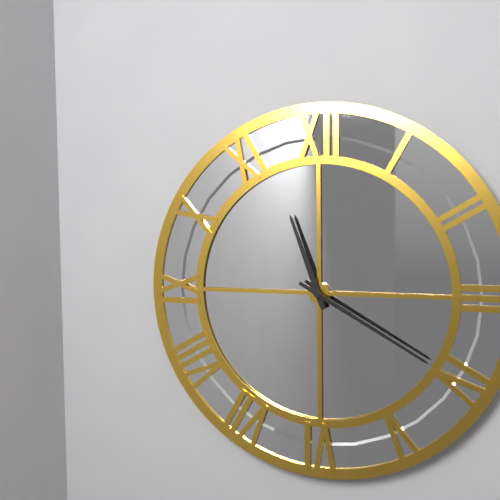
11:20
